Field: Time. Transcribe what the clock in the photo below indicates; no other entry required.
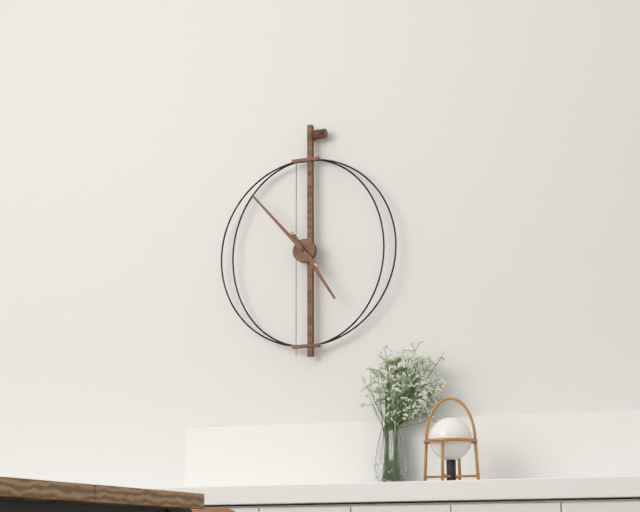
4:53
